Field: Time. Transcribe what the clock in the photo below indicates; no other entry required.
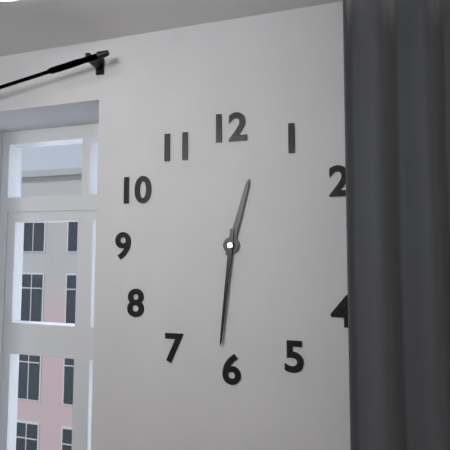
12:31
